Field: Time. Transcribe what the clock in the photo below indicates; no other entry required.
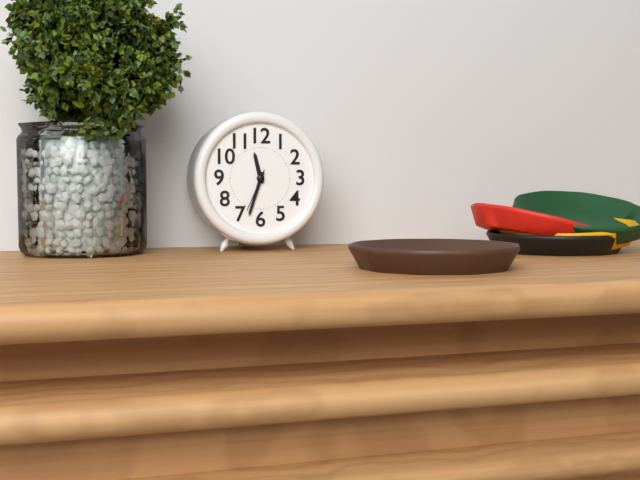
11:33
